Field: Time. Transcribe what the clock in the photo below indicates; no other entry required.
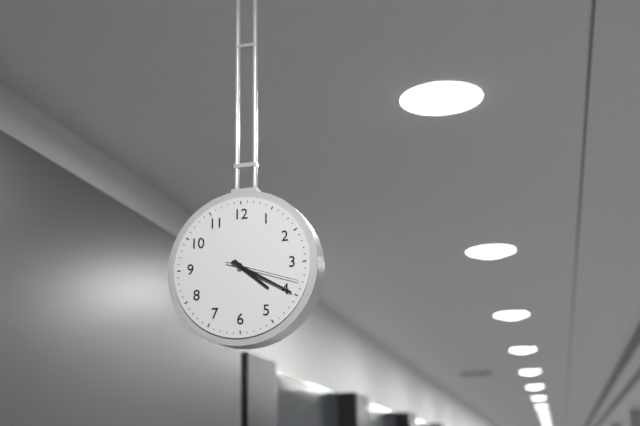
4:20:18
